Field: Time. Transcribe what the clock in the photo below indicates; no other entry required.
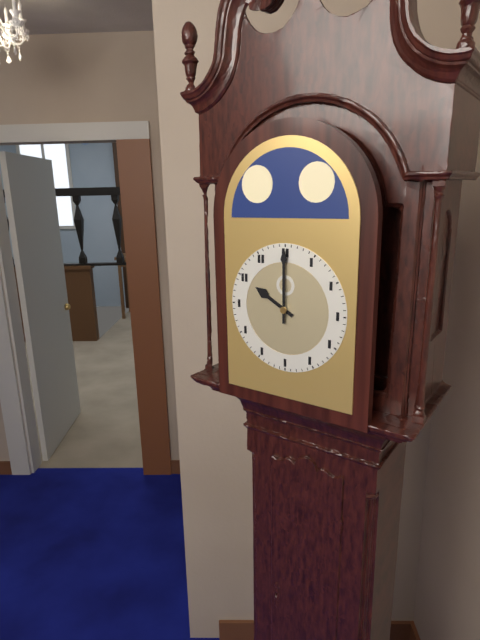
10:00
